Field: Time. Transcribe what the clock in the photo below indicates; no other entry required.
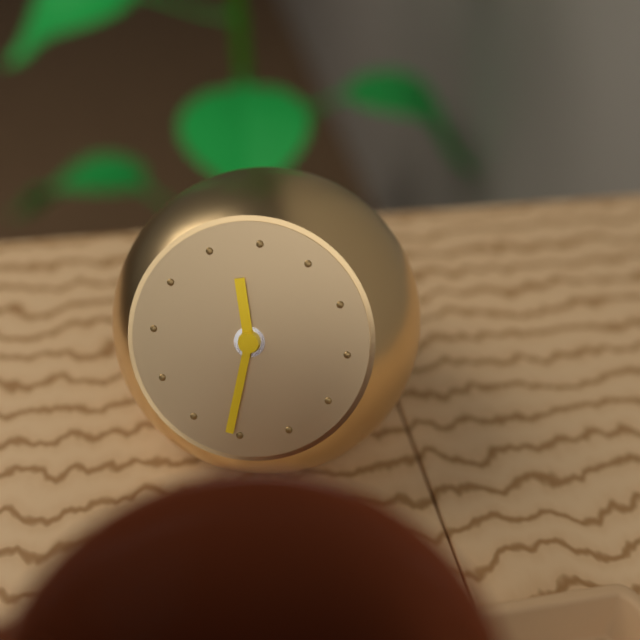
11:31
